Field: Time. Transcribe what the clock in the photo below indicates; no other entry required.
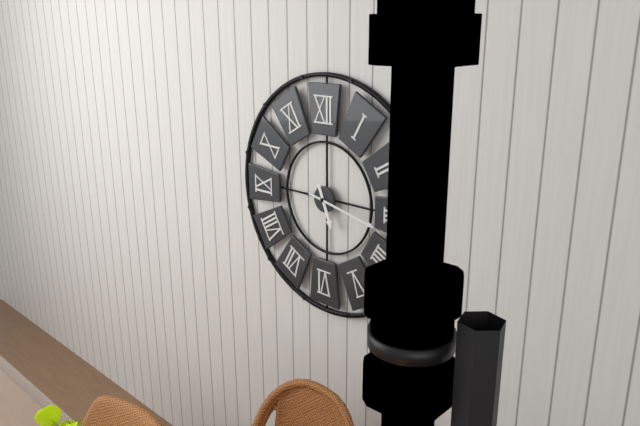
5:17
